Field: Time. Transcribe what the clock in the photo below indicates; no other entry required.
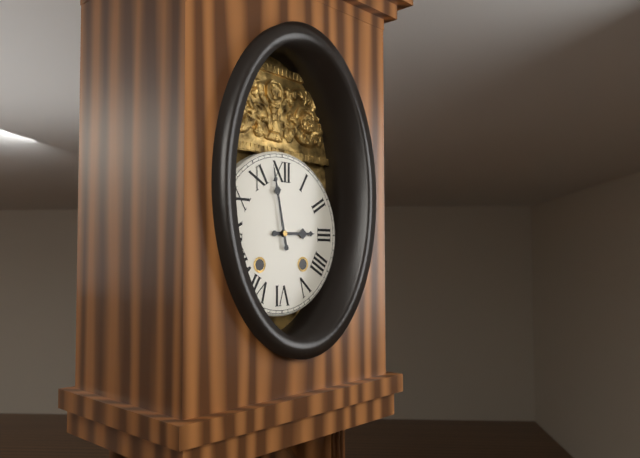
2:58
